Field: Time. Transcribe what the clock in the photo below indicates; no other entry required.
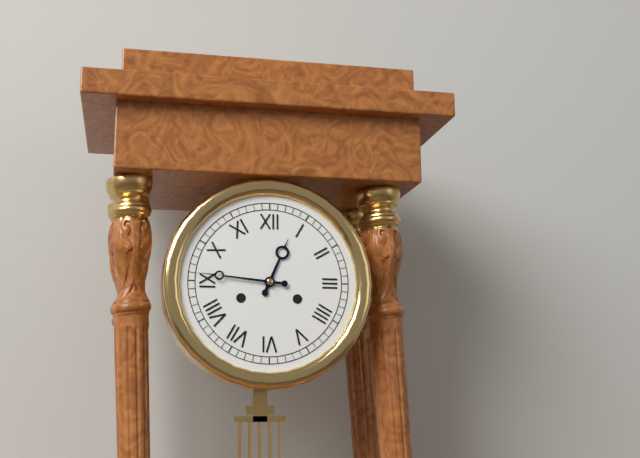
12:46
